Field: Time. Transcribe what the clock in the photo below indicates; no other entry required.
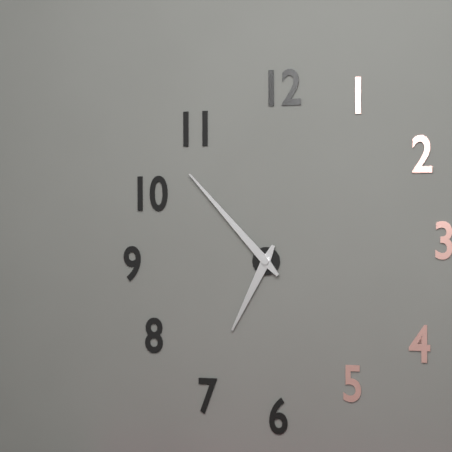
6:53
